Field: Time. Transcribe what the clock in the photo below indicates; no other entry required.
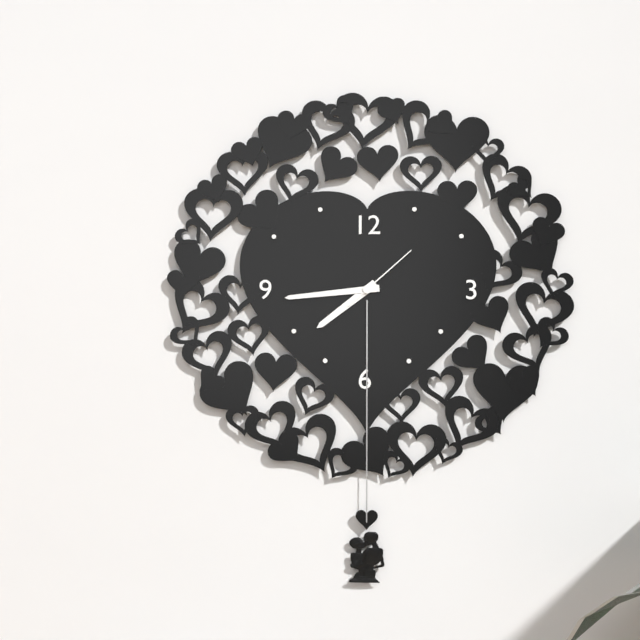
7:44:08
